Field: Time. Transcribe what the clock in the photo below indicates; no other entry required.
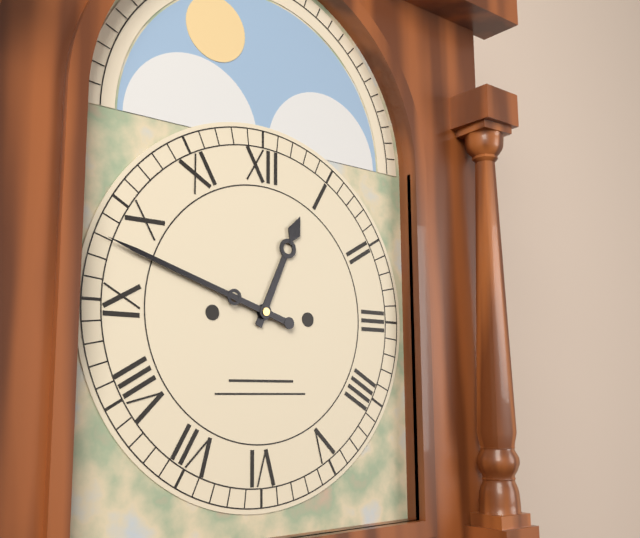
12:48
